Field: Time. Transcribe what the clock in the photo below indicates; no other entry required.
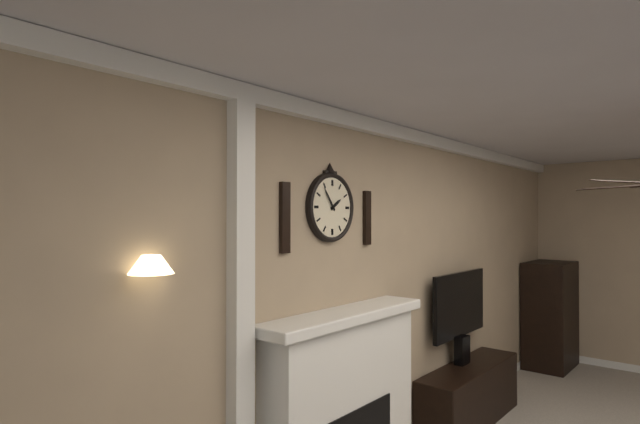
1:54
